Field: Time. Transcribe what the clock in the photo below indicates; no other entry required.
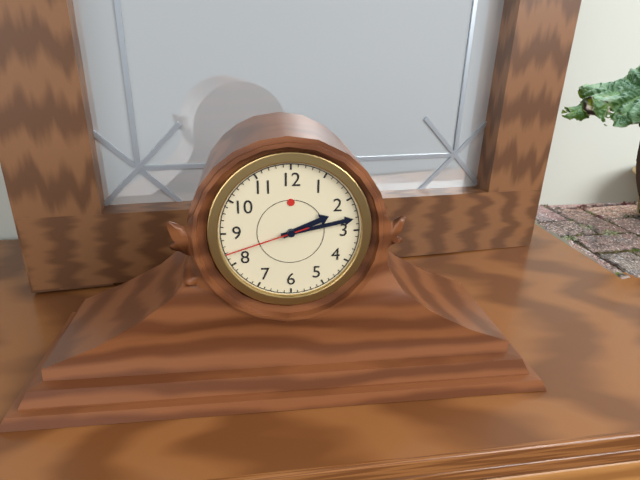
2:13:42
